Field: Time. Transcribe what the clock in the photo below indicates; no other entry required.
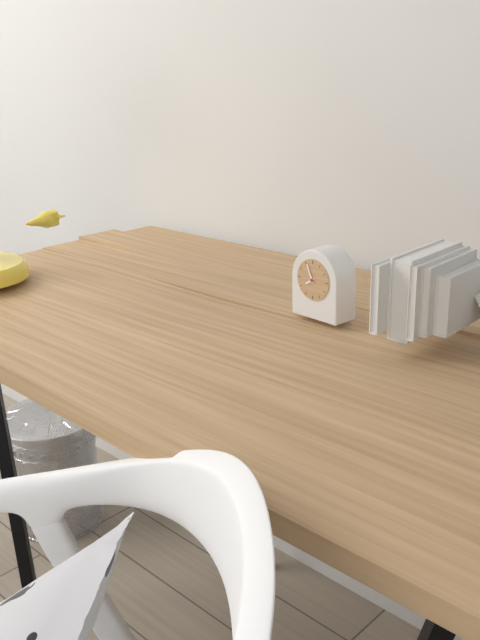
7:56
